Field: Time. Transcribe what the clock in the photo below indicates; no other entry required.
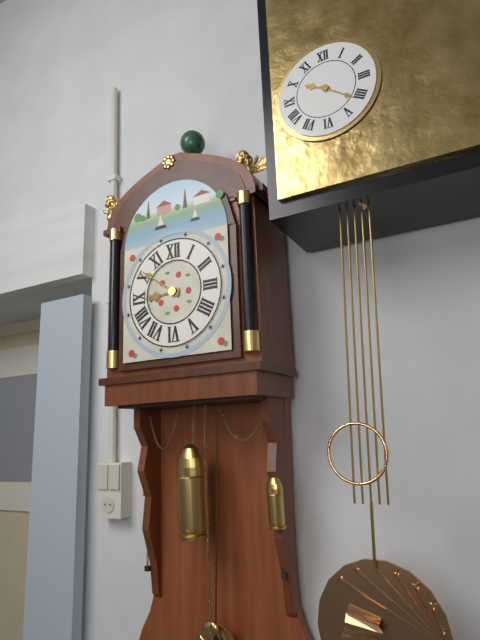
8:51
